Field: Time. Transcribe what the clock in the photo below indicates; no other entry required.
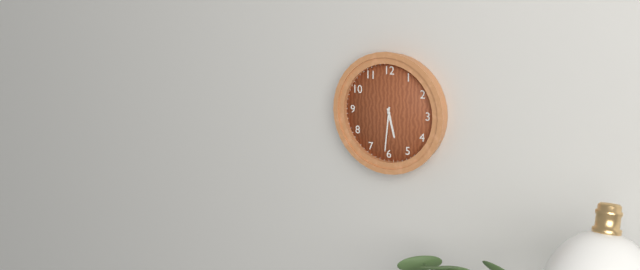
5:31
